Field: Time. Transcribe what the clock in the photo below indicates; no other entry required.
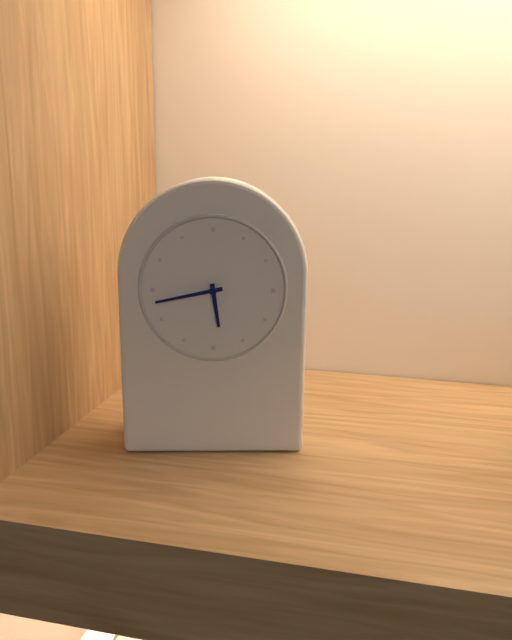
5:43
